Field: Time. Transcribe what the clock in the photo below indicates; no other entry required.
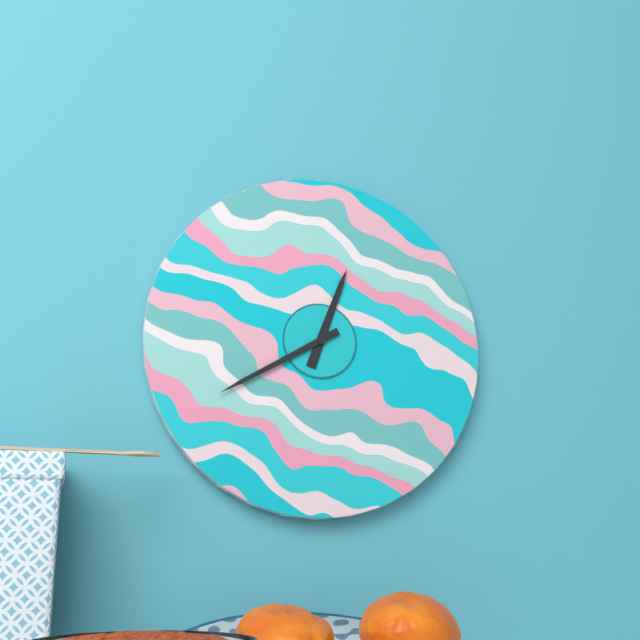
12:40
